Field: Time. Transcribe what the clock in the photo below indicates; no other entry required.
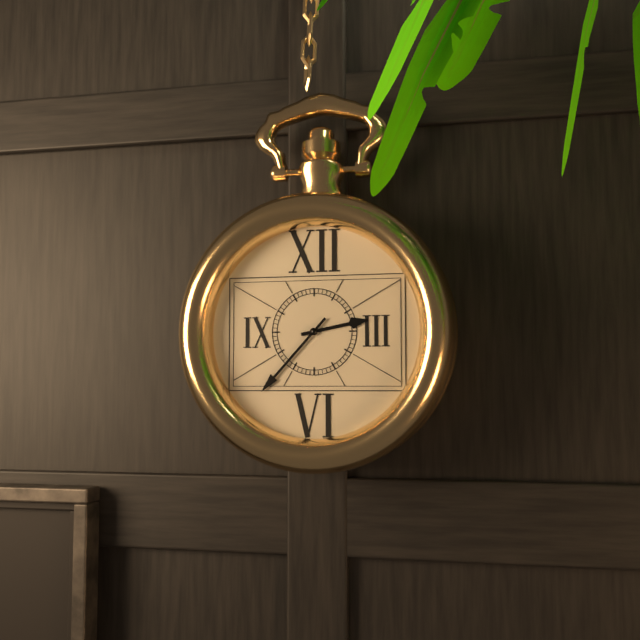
2:37
